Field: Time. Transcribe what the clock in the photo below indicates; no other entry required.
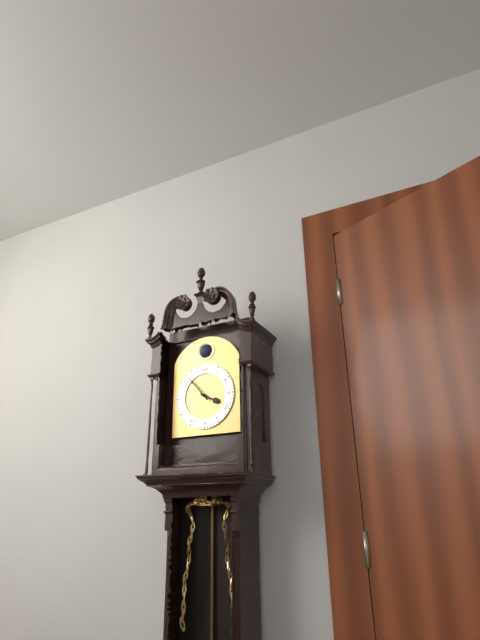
3:53
